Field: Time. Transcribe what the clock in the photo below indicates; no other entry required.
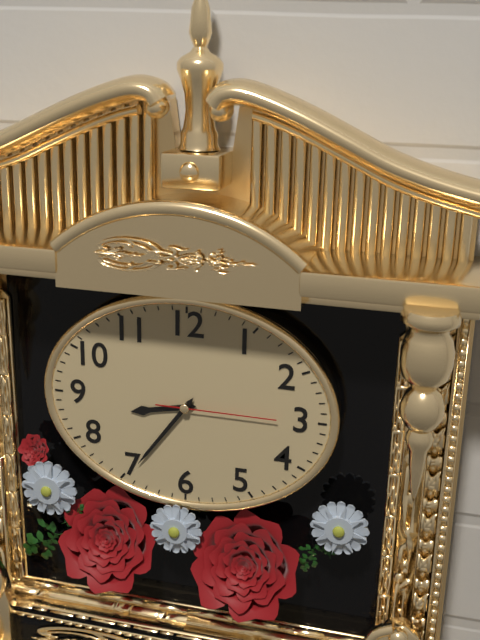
8:36:15
